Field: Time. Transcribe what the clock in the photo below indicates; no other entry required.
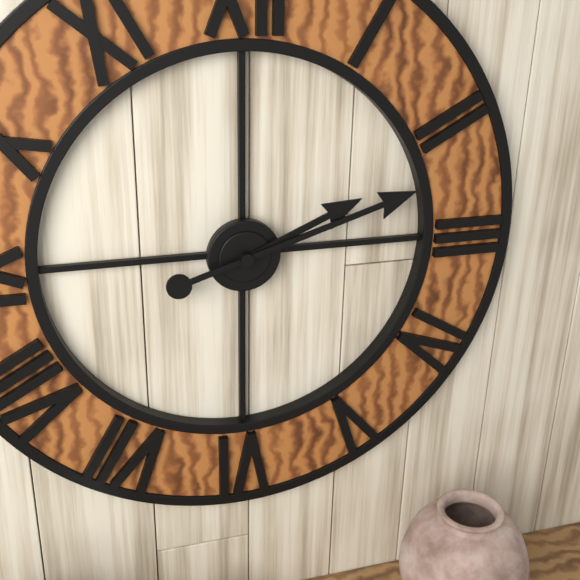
2:12
